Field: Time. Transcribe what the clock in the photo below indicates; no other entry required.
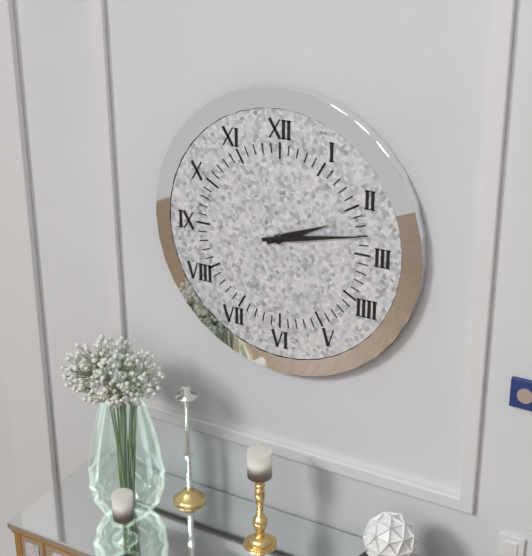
2:13
